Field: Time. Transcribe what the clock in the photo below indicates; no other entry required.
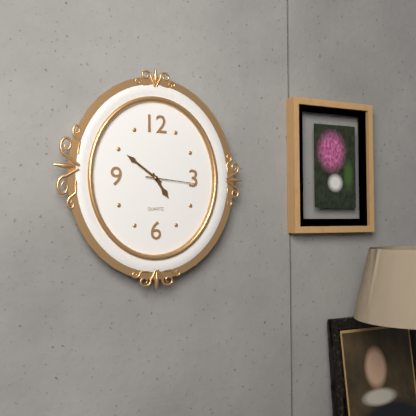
4:51:16
